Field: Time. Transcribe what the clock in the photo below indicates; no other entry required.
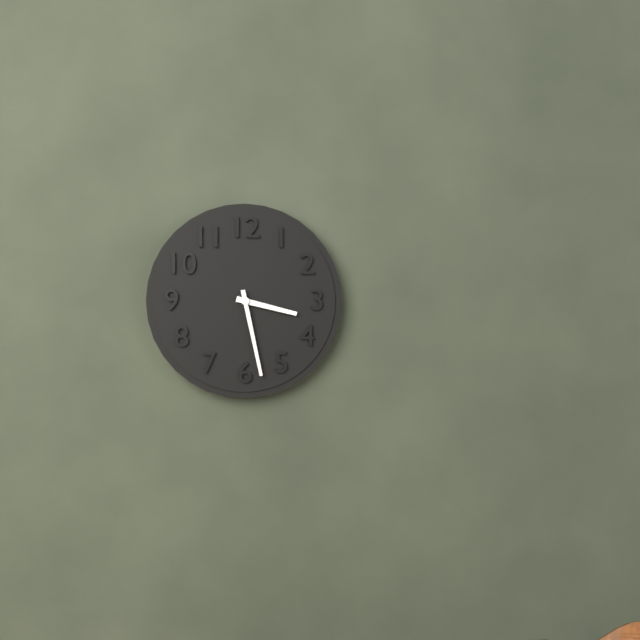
3:28
